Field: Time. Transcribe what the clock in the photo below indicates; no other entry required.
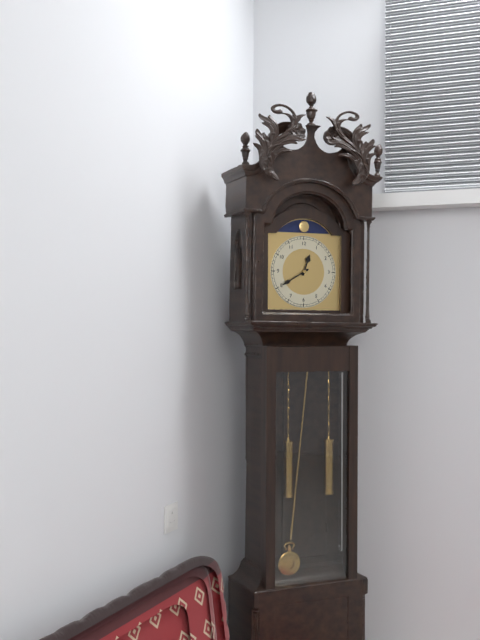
12:40
